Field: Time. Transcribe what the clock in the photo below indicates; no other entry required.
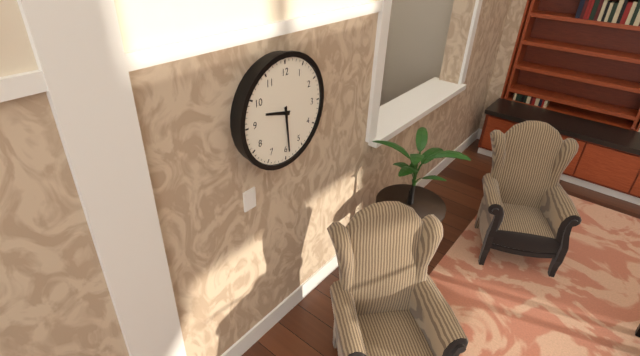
9:29
